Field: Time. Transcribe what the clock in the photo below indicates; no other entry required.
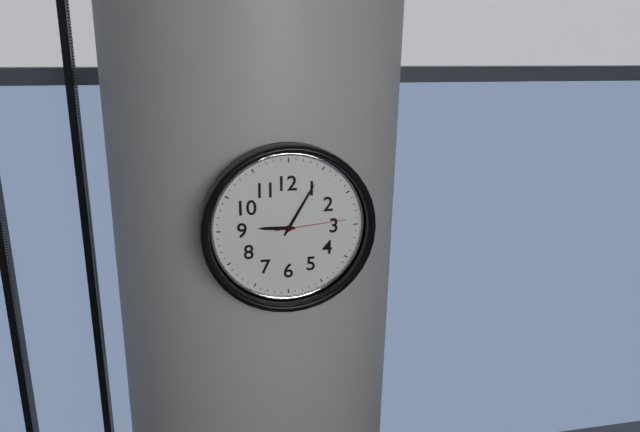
9:05:14
